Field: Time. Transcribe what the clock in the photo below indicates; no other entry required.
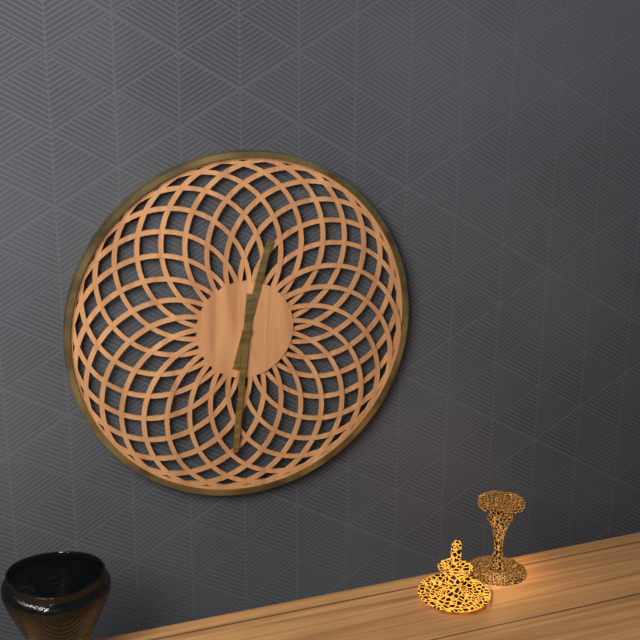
12:31
